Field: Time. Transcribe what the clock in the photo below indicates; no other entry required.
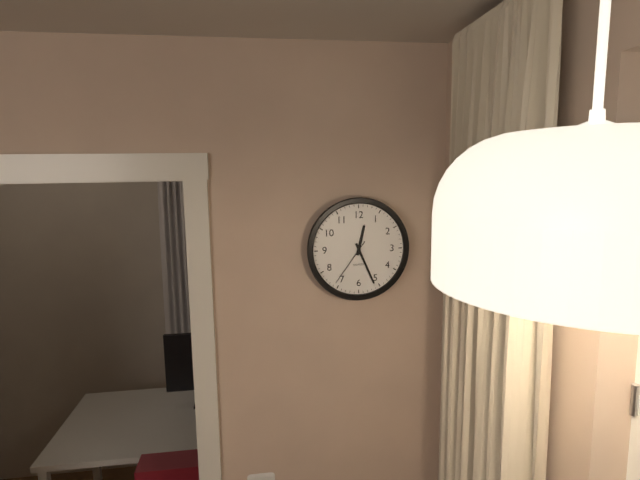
12:26:36
